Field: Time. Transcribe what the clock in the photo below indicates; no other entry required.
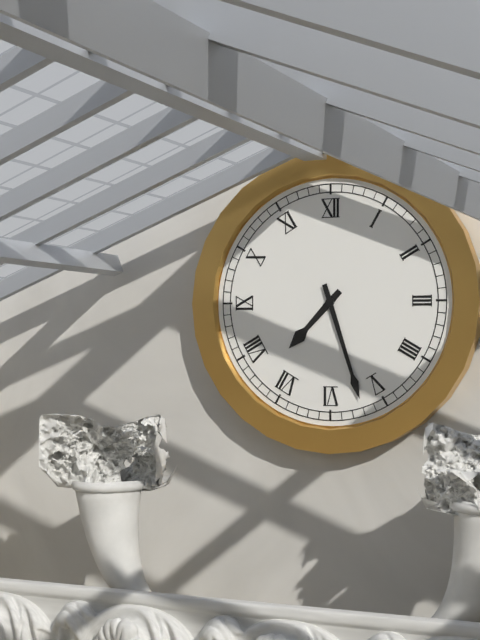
7:27
